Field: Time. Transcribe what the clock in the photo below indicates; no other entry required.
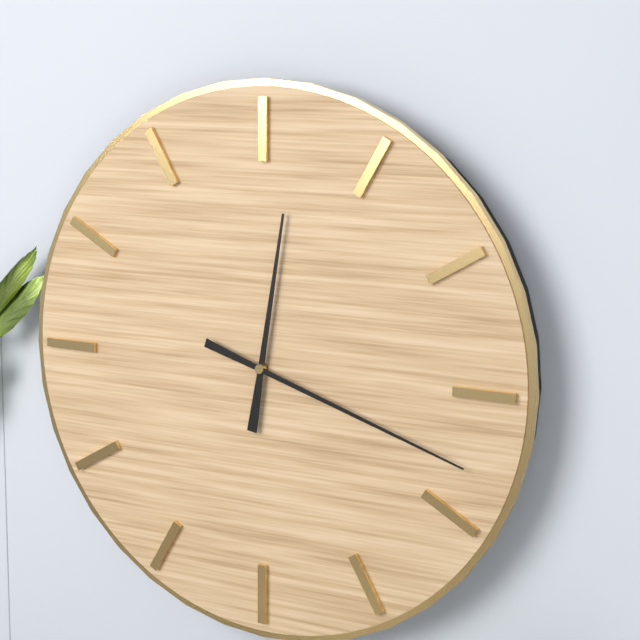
12:18
